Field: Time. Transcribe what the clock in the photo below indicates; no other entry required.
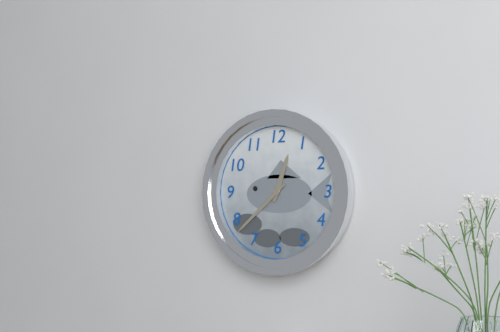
12:38
